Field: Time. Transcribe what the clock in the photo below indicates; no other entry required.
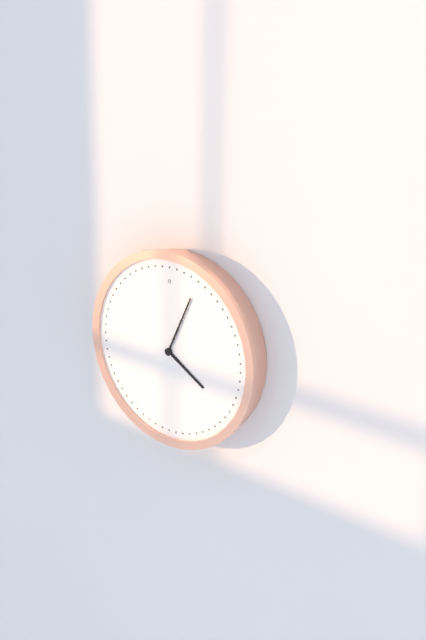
4:04
